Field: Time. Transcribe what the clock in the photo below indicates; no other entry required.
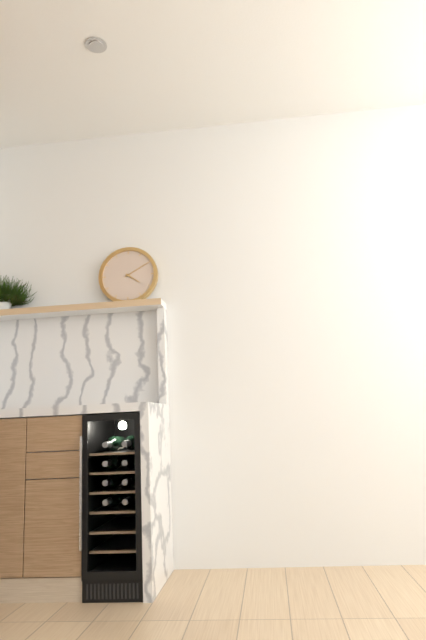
4:10
